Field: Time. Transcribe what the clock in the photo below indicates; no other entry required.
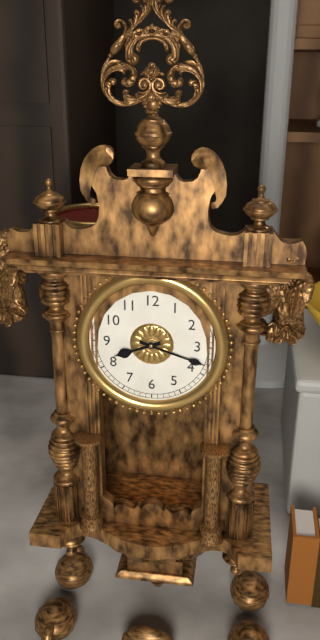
8:18
